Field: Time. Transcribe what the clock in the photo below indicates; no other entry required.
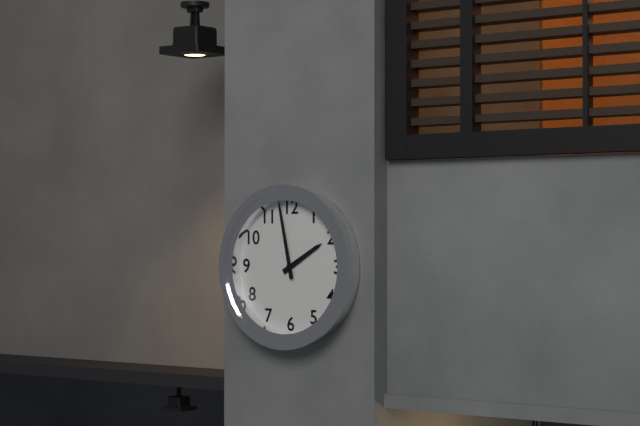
1:58
